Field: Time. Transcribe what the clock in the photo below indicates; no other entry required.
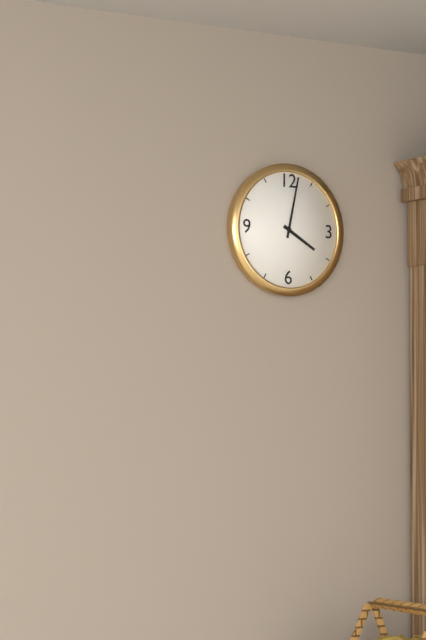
4:02
